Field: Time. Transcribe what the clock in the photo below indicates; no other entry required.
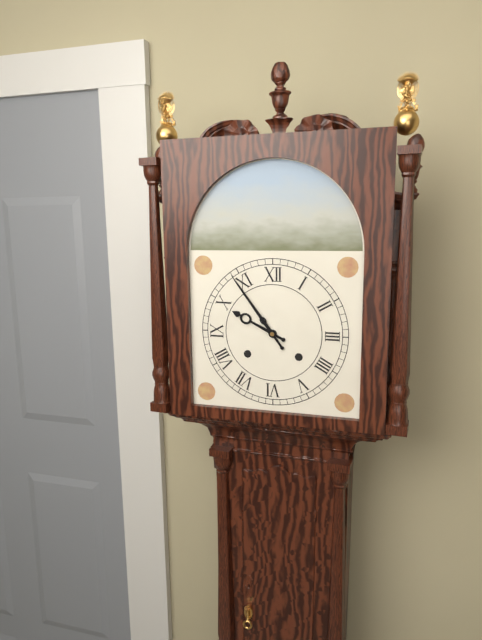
9:54
